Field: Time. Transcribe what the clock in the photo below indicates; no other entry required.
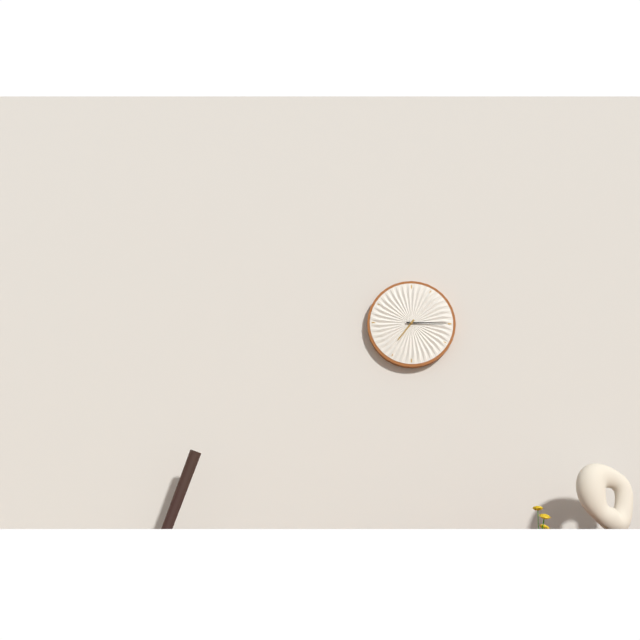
7:15
